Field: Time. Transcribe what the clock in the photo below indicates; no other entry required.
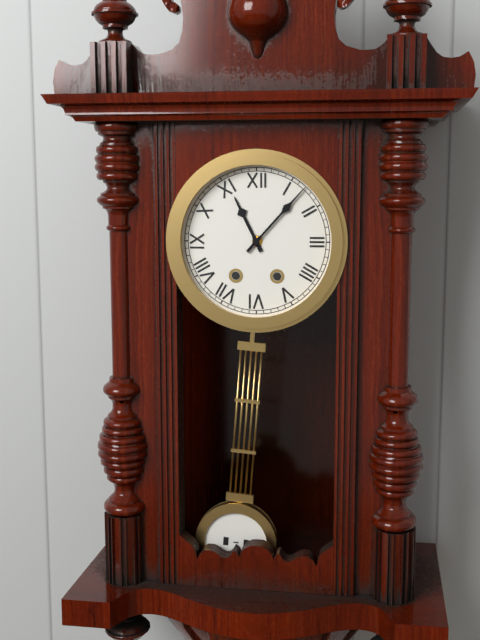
11:07
